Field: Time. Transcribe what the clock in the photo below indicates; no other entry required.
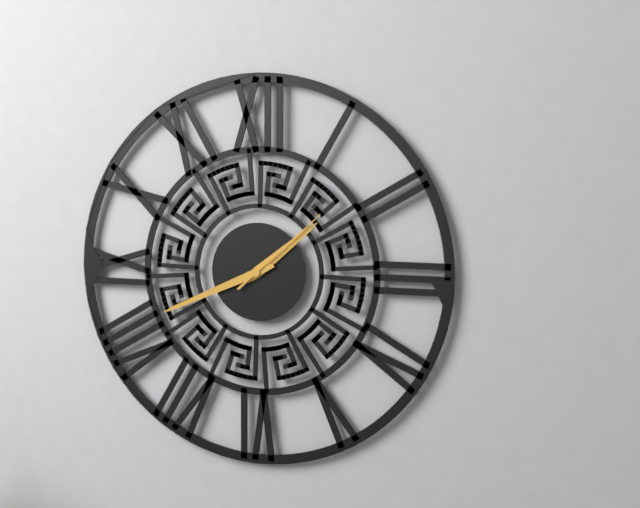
1:41:08
